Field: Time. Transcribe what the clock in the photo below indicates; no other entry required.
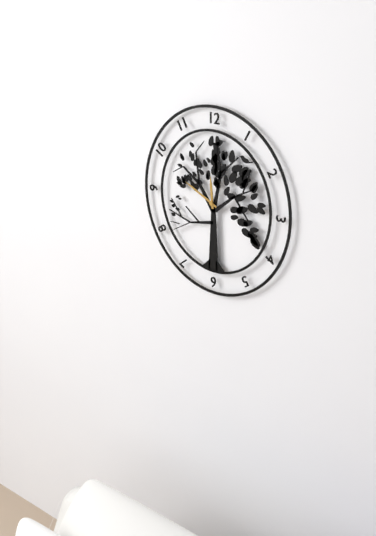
11:49
